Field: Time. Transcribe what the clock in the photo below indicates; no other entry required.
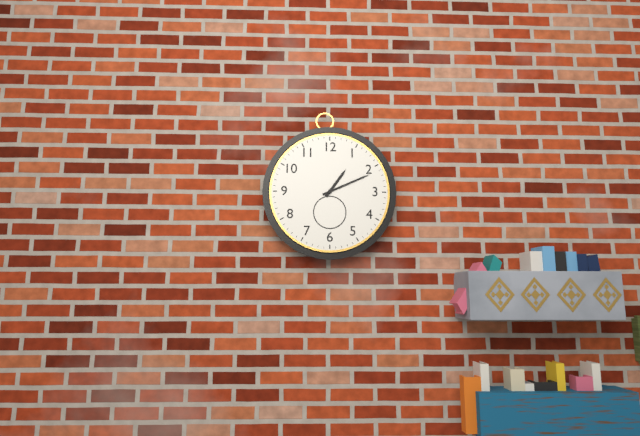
1:11
